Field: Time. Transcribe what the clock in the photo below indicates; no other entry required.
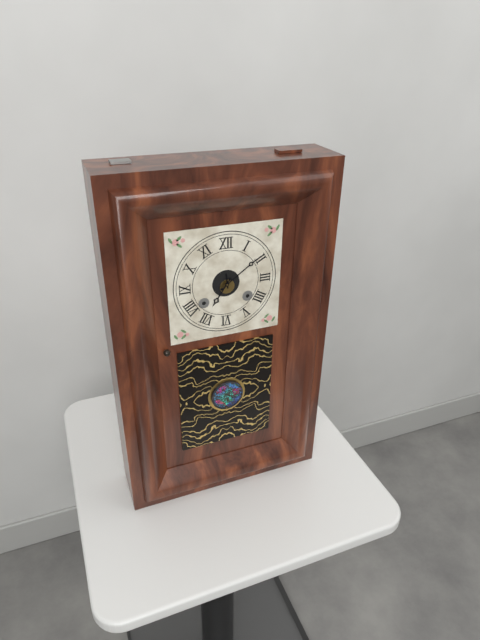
7:09
